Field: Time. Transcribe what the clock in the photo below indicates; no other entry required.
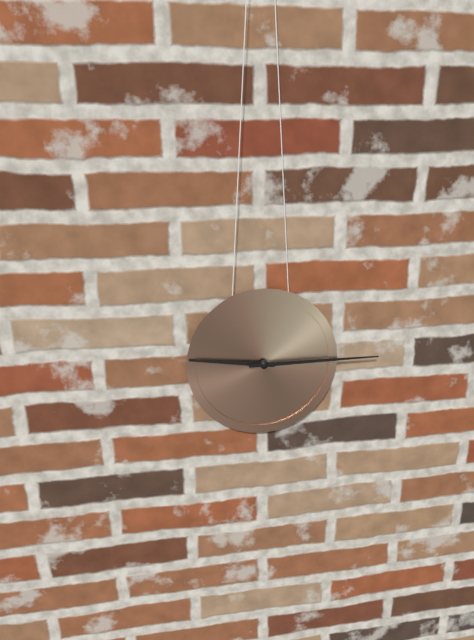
9:15
